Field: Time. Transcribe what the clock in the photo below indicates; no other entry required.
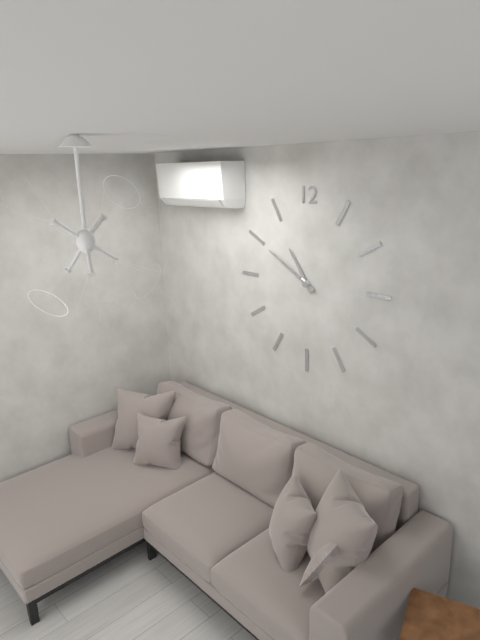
10:50
